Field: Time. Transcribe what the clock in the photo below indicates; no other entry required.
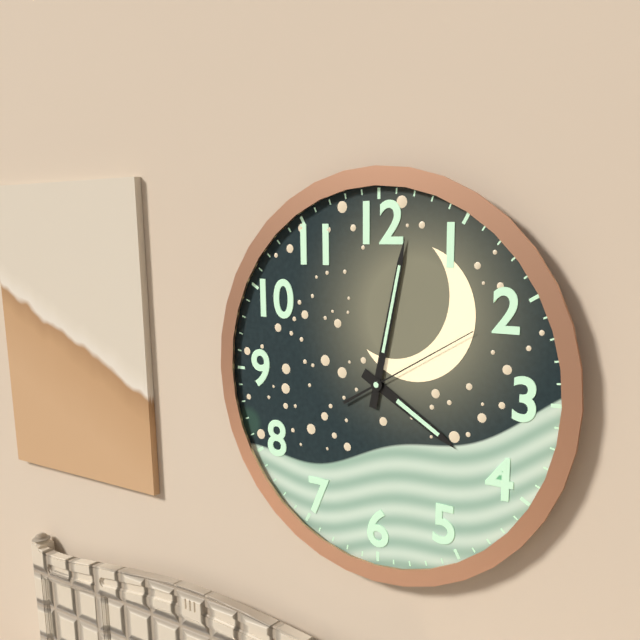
4:02:10
